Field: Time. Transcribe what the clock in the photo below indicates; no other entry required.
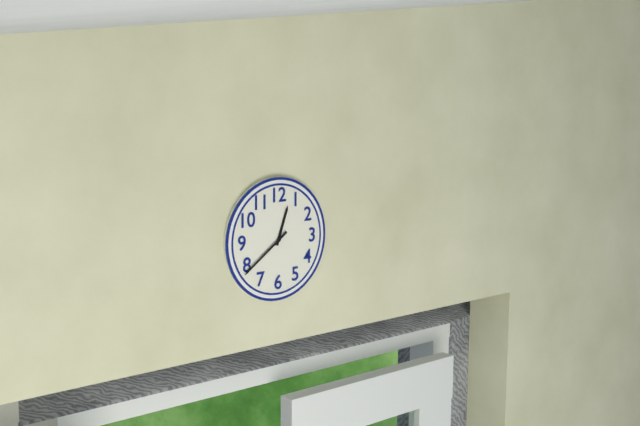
12:39
